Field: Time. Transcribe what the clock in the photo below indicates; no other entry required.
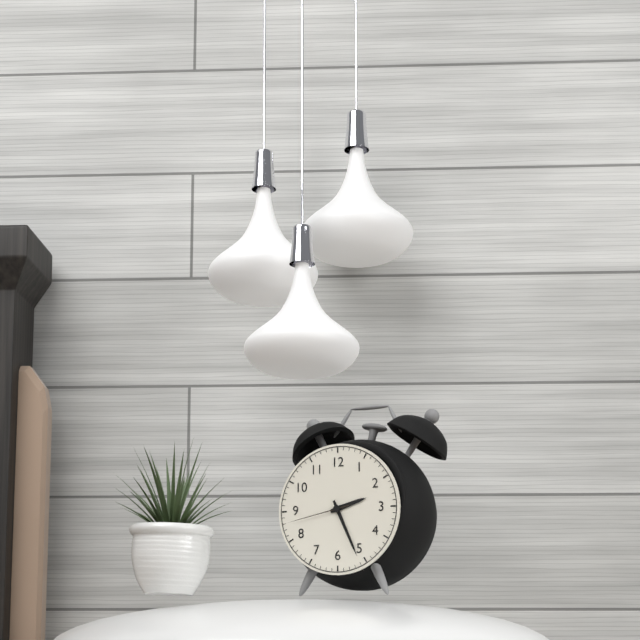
2:26:43
